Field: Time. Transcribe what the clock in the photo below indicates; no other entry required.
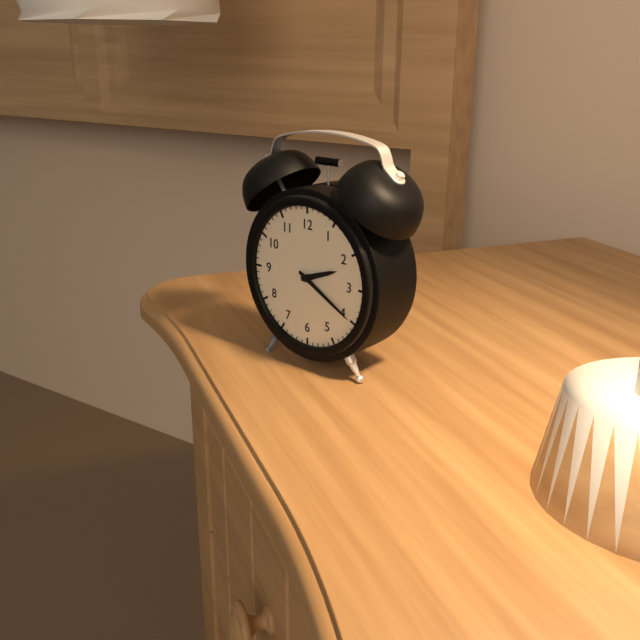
2:20
